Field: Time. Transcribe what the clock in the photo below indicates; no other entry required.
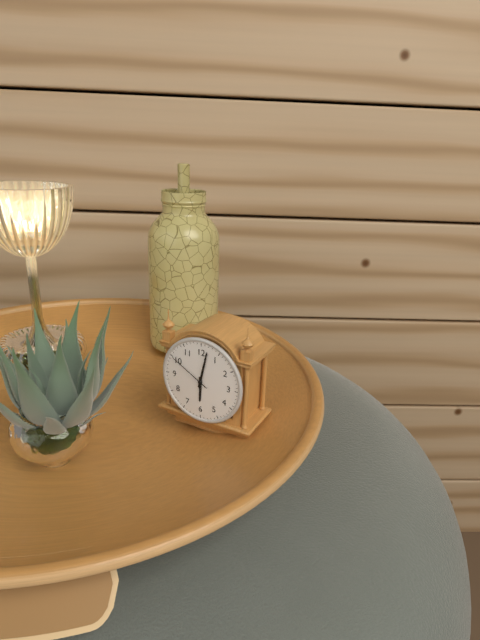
6:02
